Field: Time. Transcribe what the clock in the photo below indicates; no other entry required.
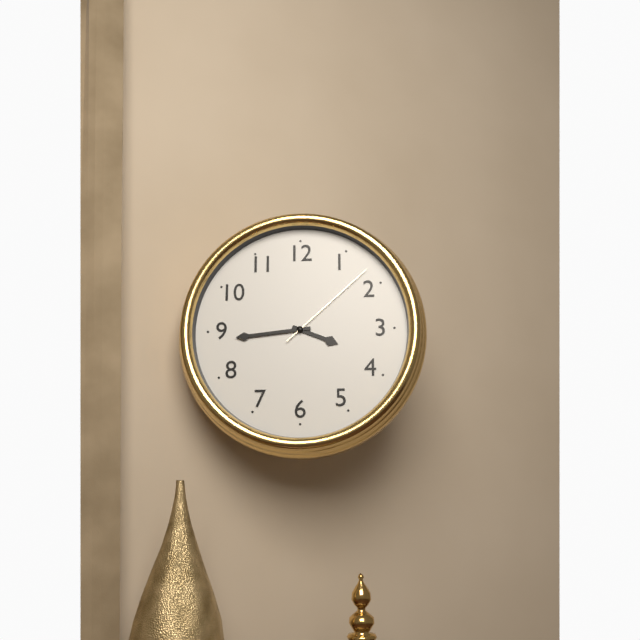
3:44:08
